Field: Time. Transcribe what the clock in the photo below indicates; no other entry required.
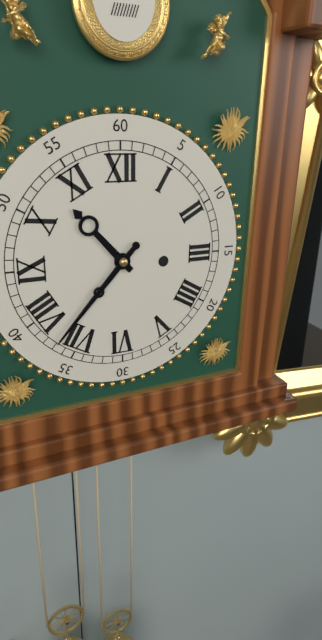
10:37
